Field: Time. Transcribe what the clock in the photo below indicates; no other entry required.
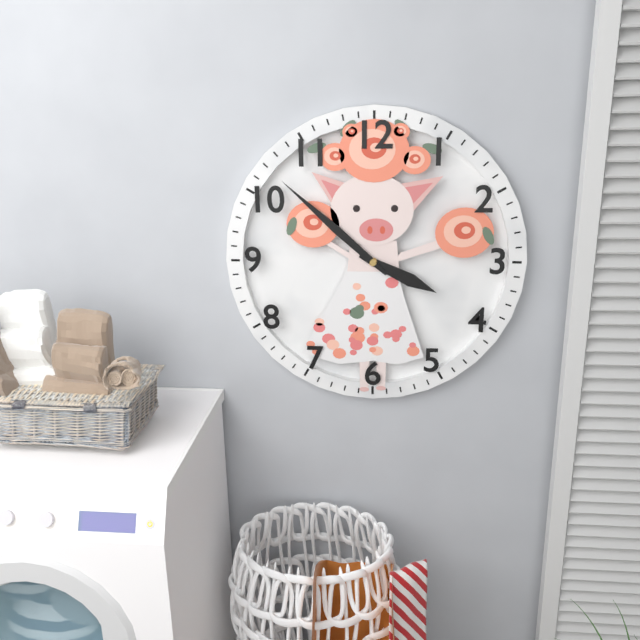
3:52
